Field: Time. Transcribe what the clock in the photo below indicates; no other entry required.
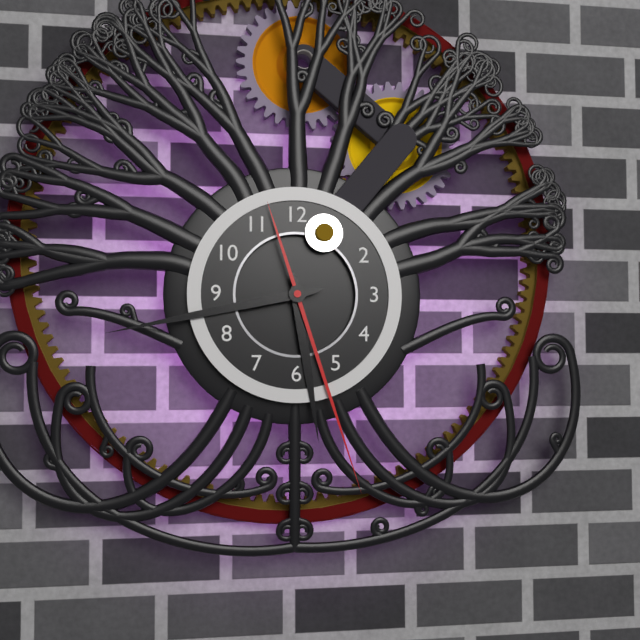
5:43:27
